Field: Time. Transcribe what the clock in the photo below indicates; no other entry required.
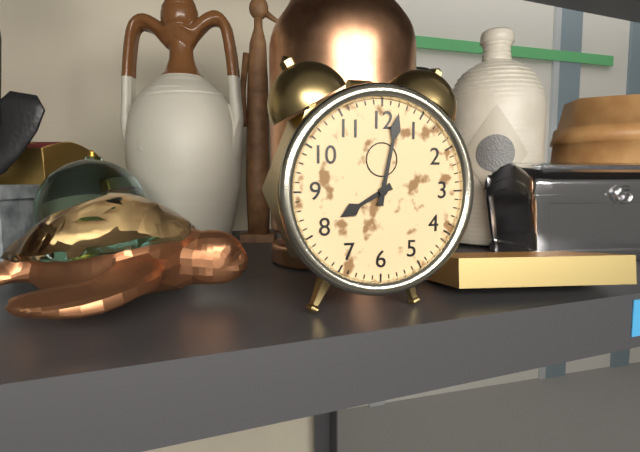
8:02
